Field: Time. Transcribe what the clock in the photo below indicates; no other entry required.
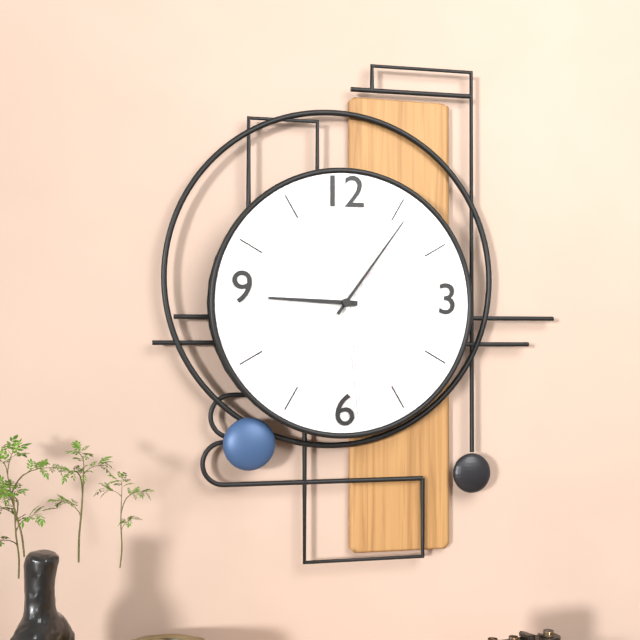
9:06:29
